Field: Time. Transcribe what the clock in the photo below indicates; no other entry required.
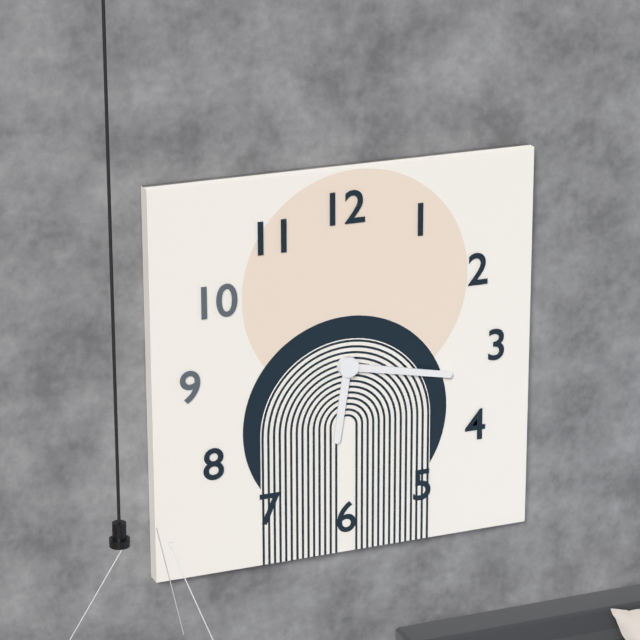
6:17
